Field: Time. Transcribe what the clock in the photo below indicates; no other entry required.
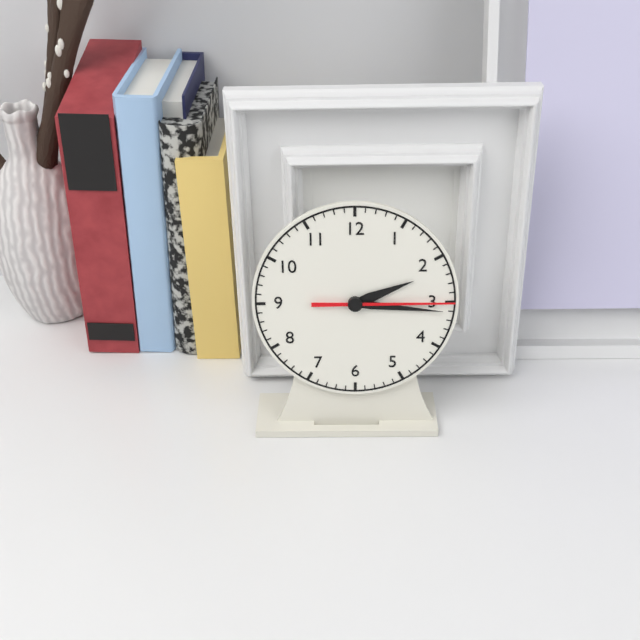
2:16:15
